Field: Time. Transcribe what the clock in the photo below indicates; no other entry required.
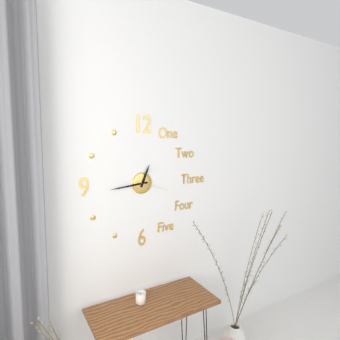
12:44
